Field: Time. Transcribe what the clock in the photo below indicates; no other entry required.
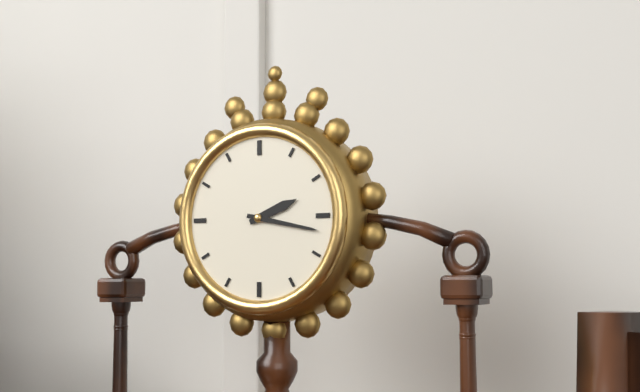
2:17
